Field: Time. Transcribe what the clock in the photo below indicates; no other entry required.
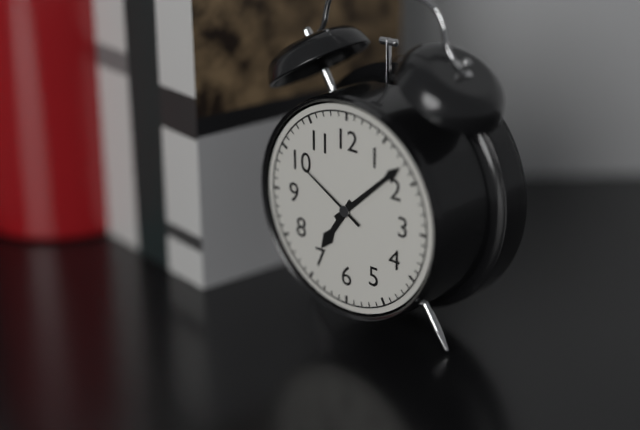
7:08:50
